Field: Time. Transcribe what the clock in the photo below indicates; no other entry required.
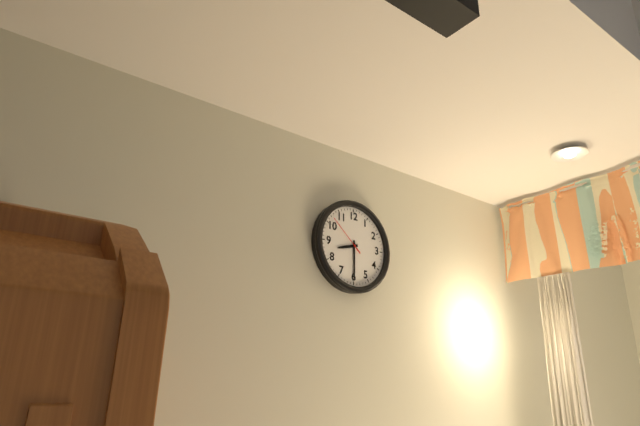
8:30
